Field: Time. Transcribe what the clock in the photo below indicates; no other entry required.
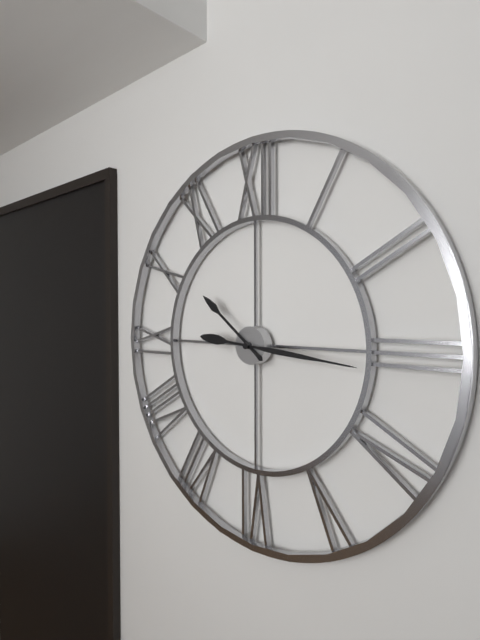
10:16
